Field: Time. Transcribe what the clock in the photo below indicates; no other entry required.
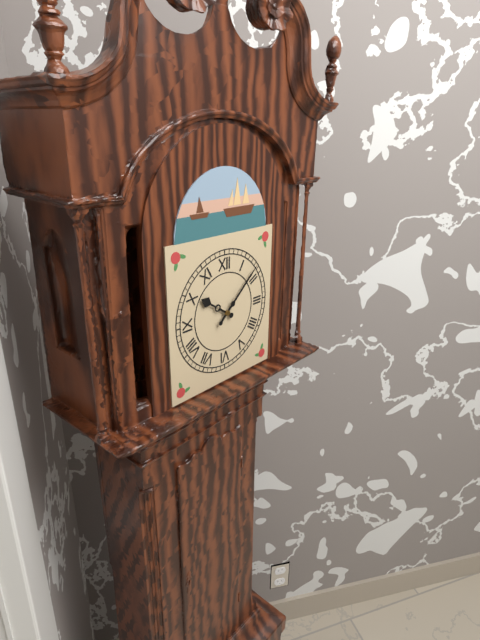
10:08
